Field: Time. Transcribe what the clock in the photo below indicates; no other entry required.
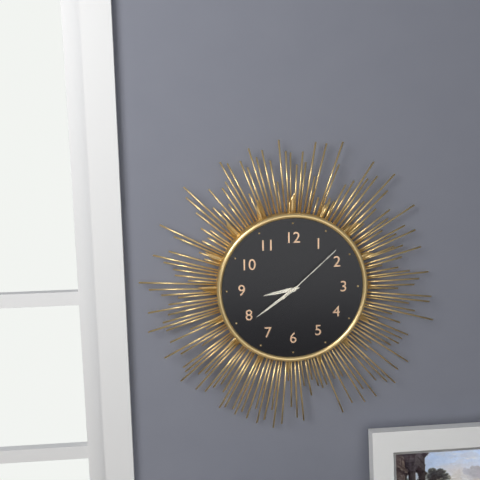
8:39:08
